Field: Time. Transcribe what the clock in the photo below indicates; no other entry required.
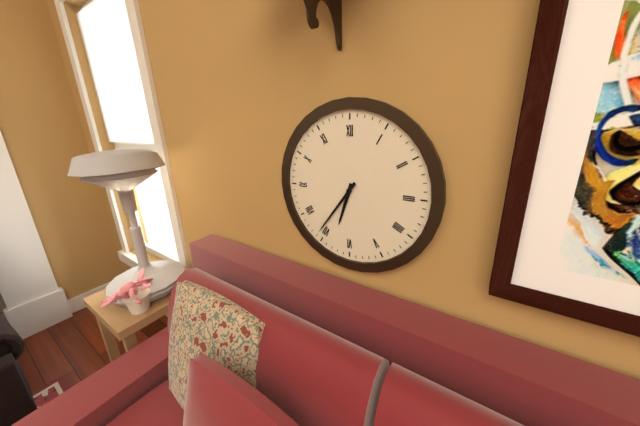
6:36
